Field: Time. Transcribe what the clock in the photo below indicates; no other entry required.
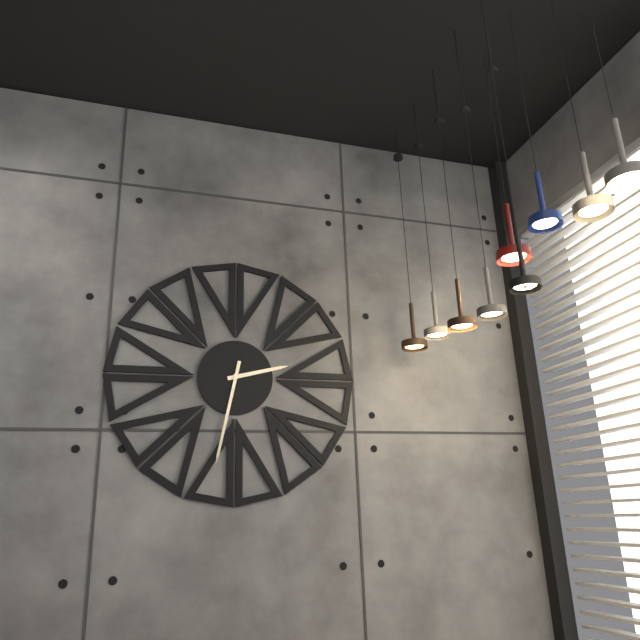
2:32
